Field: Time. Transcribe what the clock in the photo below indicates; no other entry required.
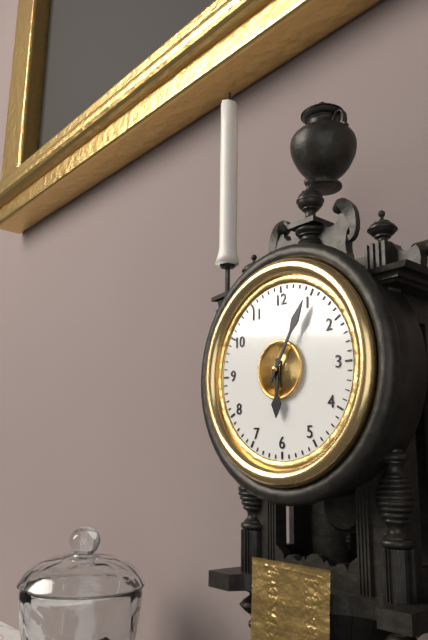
6:05
